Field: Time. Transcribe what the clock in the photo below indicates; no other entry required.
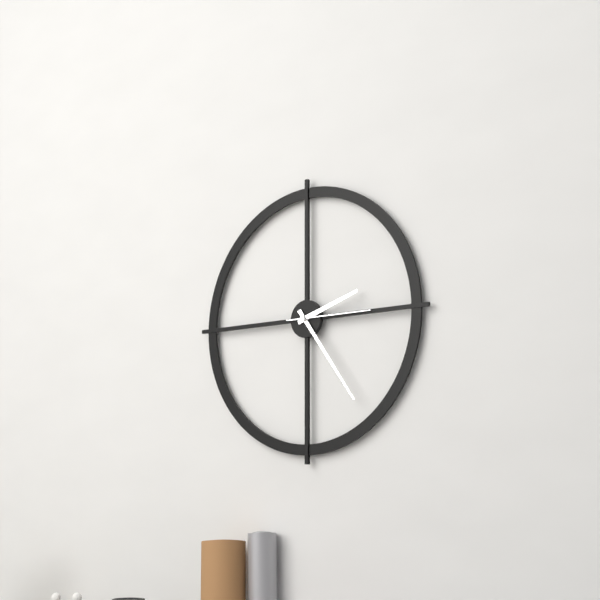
2:24:15
